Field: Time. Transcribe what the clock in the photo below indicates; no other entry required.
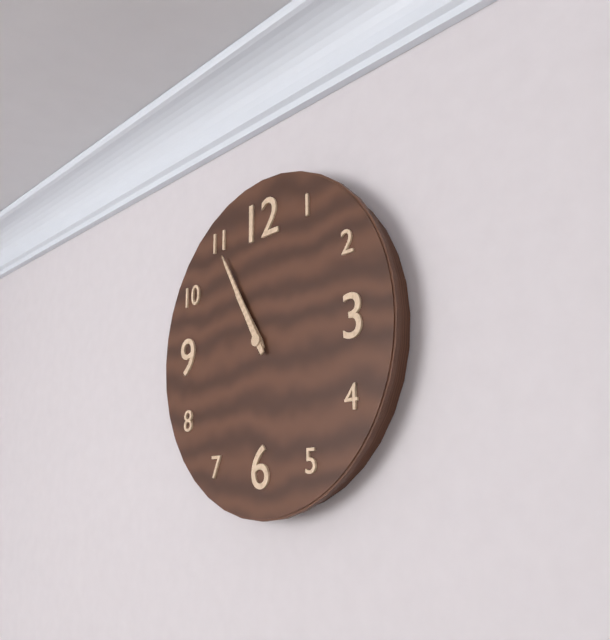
10:55
